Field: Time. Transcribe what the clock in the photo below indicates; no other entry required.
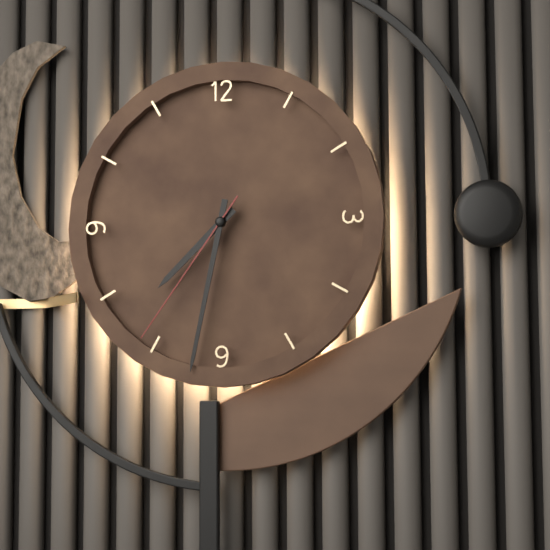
7:32:36
